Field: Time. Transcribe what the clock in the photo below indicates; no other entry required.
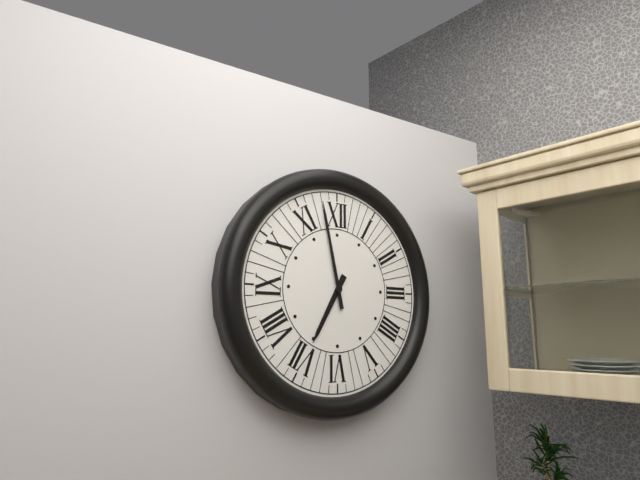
6:58
